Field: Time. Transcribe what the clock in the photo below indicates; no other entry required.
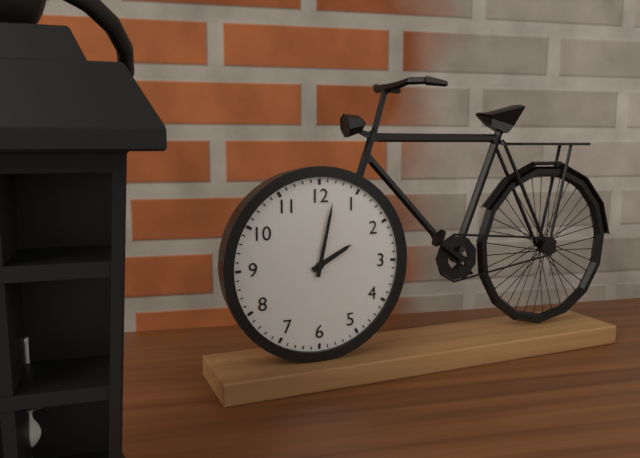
2:02
